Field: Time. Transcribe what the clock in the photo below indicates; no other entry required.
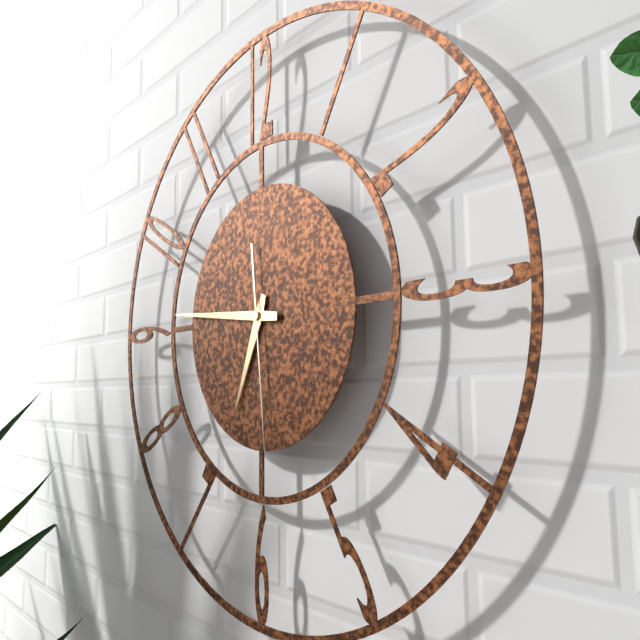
6:46:29
